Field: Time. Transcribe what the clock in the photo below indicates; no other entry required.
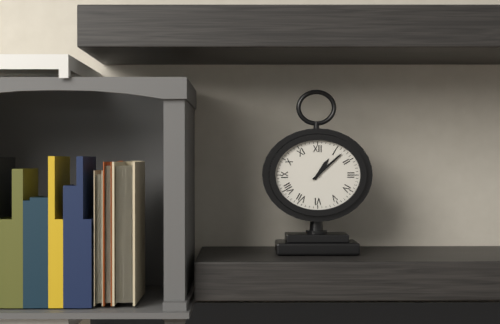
1:08
